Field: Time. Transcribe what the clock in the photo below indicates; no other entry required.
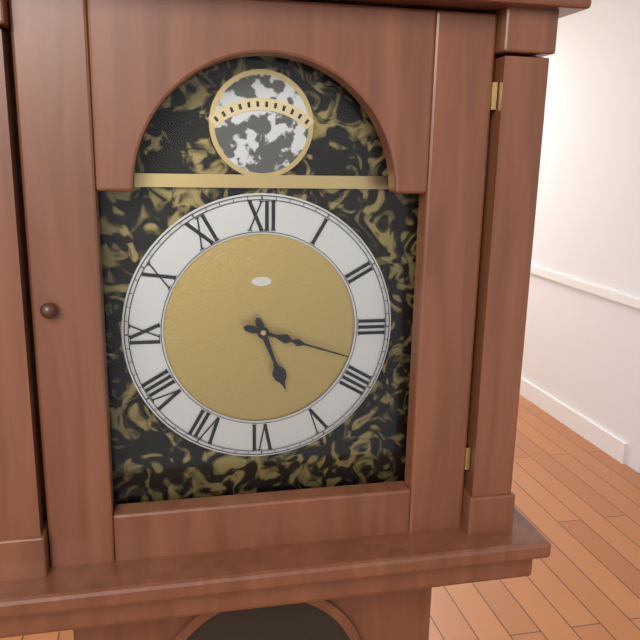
5:18
